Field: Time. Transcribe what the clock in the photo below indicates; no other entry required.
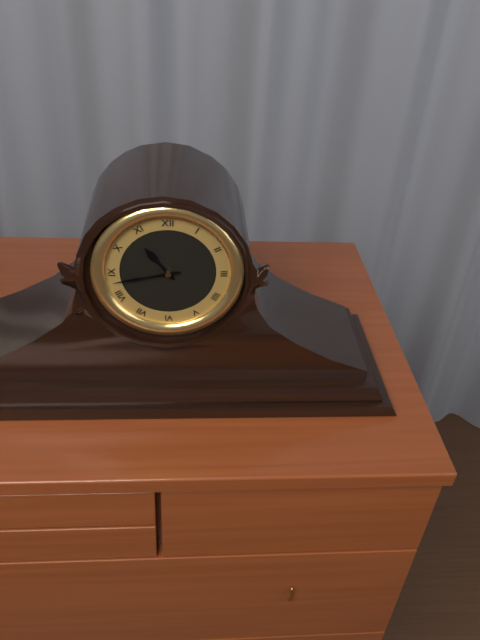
10:43
